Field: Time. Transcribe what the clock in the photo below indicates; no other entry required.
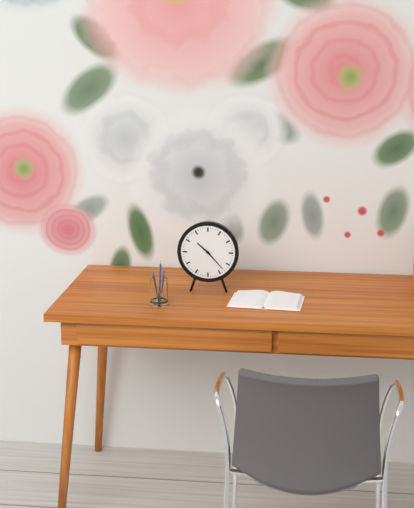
10:23
